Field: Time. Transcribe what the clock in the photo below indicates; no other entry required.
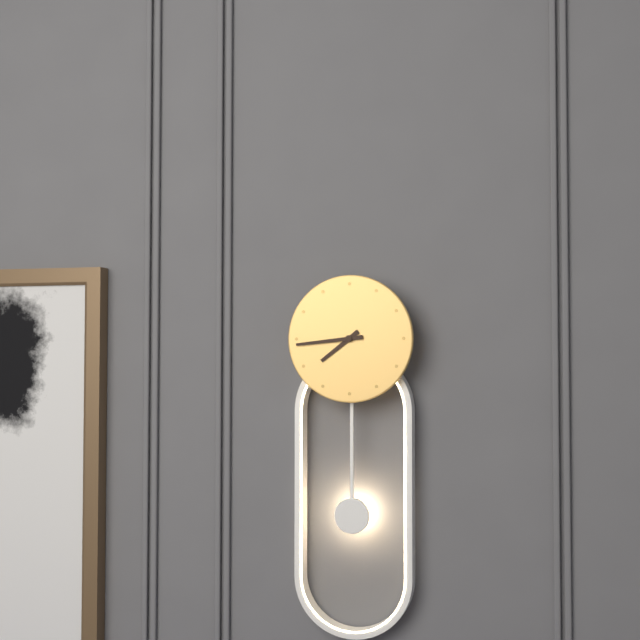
7:44
